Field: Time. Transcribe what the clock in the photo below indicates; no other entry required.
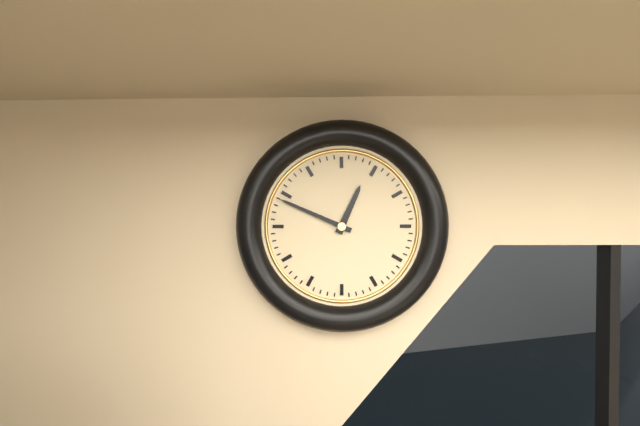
12:49
